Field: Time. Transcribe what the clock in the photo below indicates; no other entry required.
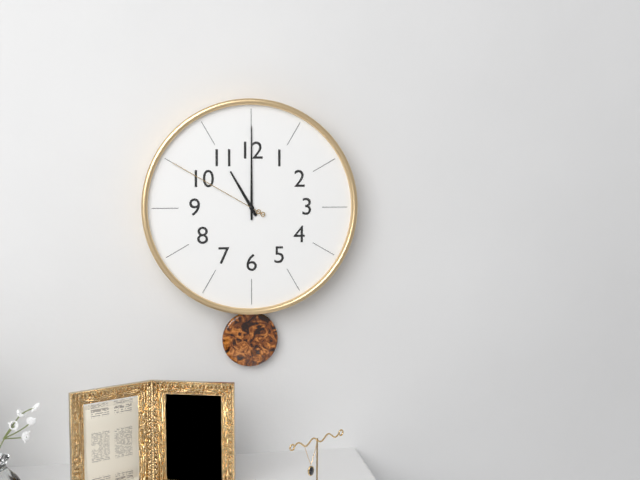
11:00:50
